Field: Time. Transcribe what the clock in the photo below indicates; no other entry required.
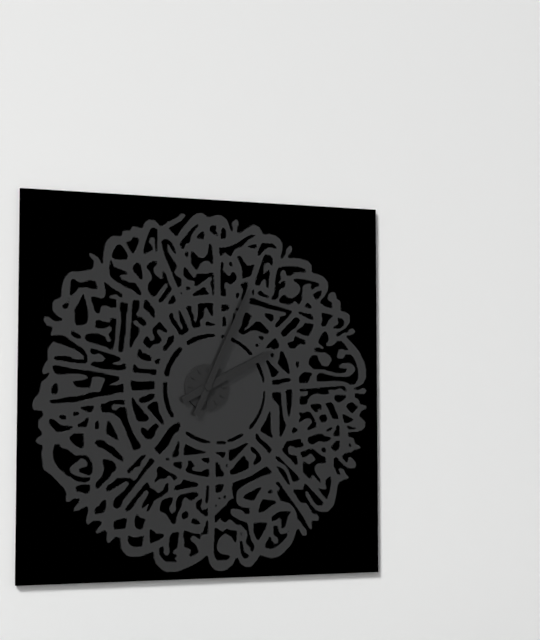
2:04
